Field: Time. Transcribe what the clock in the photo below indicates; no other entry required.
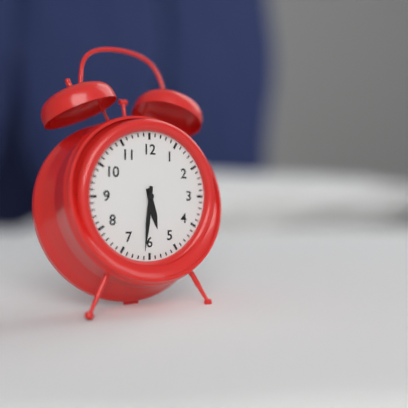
5:31
